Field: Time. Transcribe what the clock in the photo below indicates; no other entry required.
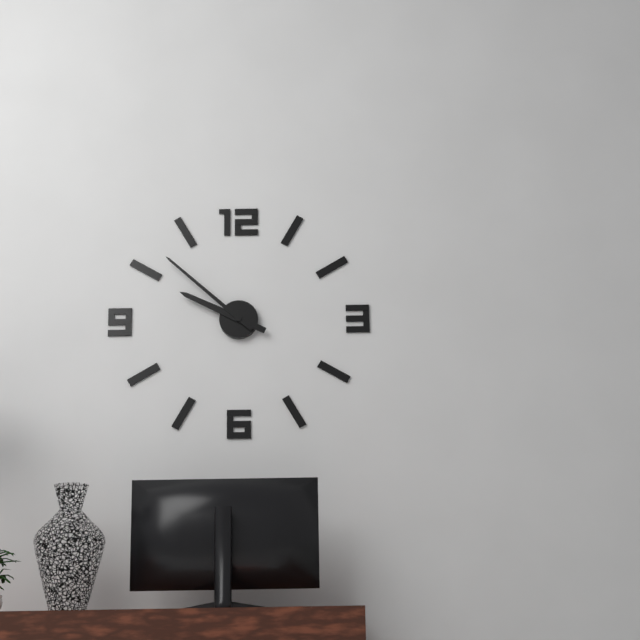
9:52
